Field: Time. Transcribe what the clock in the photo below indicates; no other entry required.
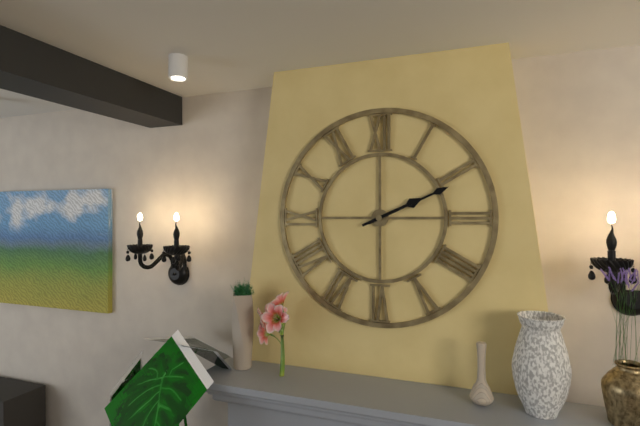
2:11
